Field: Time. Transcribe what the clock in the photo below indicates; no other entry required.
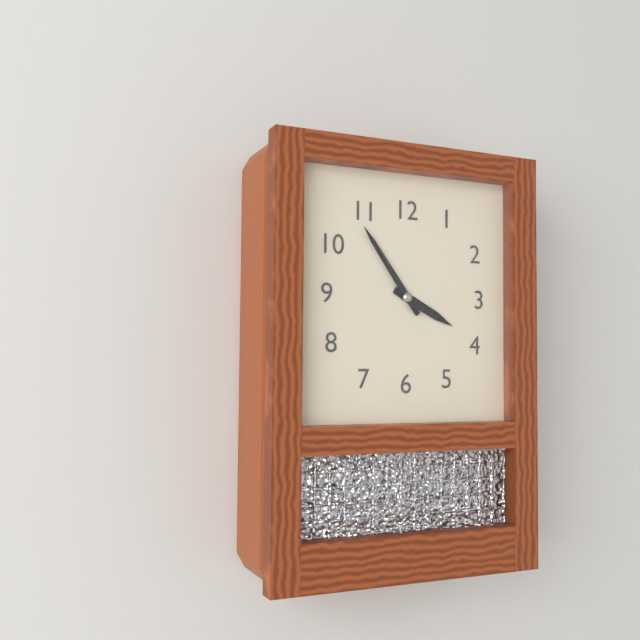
3:54
